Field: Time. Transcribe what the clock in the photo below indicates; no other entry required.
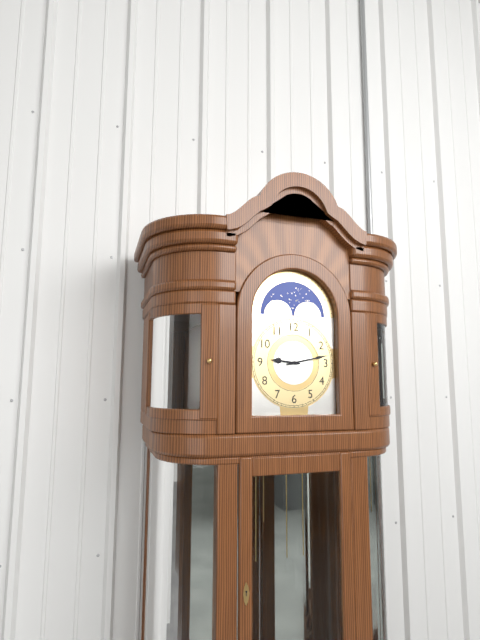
9:13
